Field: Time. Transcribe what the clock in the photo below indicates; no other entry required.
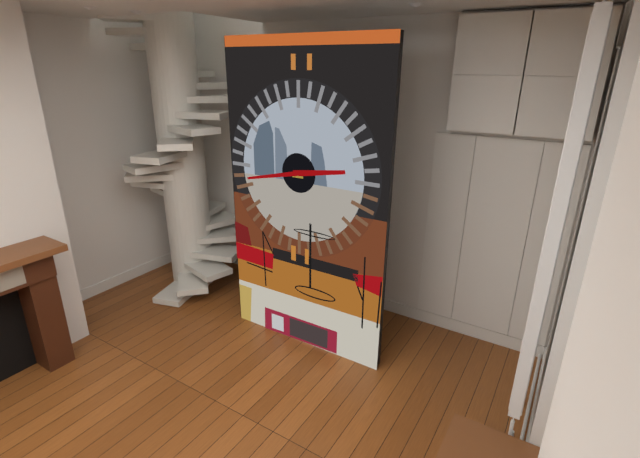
2:43
